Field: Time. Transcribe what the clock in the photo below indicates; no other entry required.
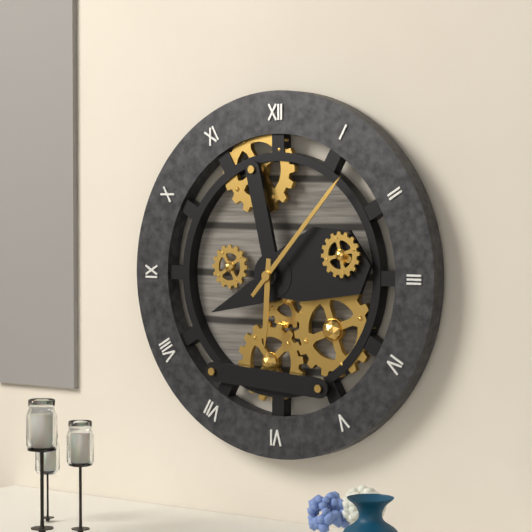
6:07
